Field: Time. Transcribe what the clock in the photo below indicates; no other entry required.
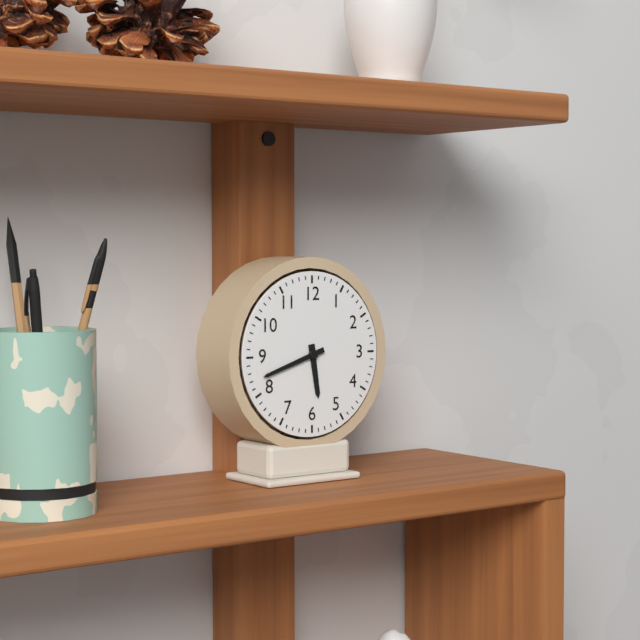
5:42
